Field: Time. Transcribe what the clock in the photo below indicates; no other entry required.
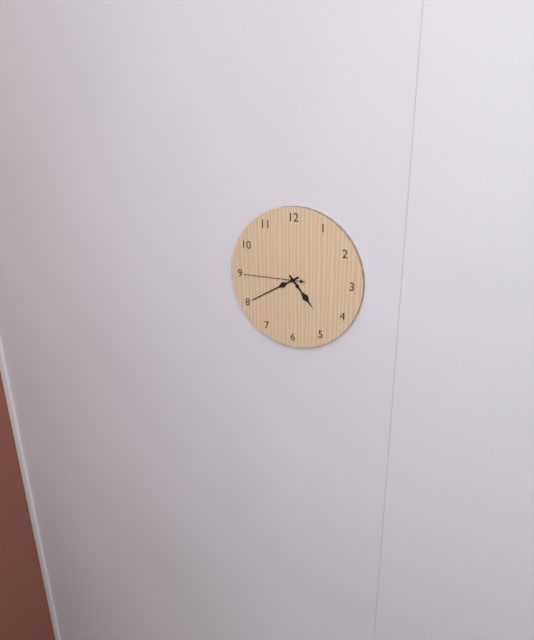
4:40:45
